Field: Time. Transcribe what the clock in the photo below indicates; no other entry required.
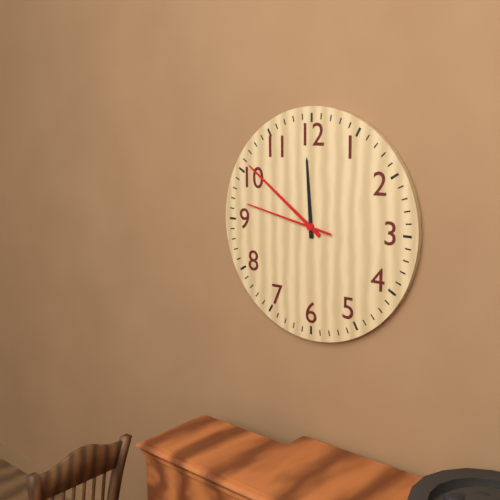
11:51:47
